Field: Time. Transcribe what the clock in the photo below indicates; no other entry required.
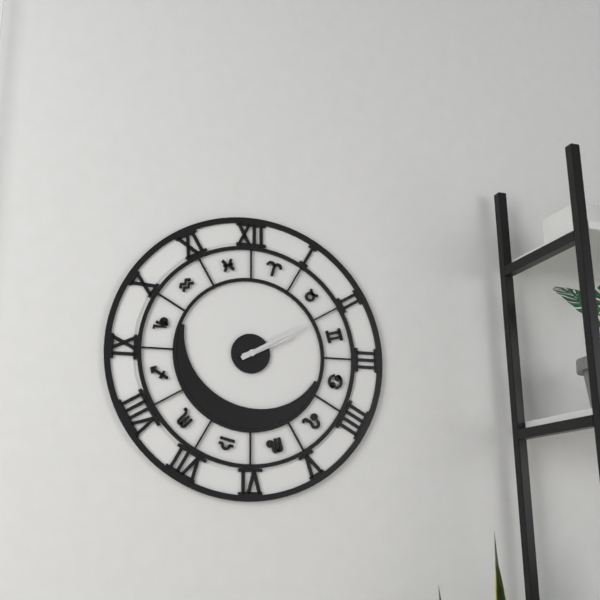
2:10
